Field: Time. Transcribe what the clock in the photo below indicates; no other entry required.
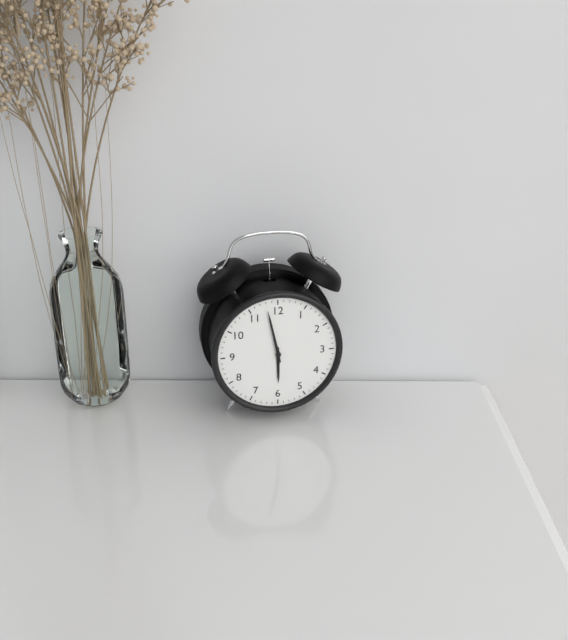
5:58
